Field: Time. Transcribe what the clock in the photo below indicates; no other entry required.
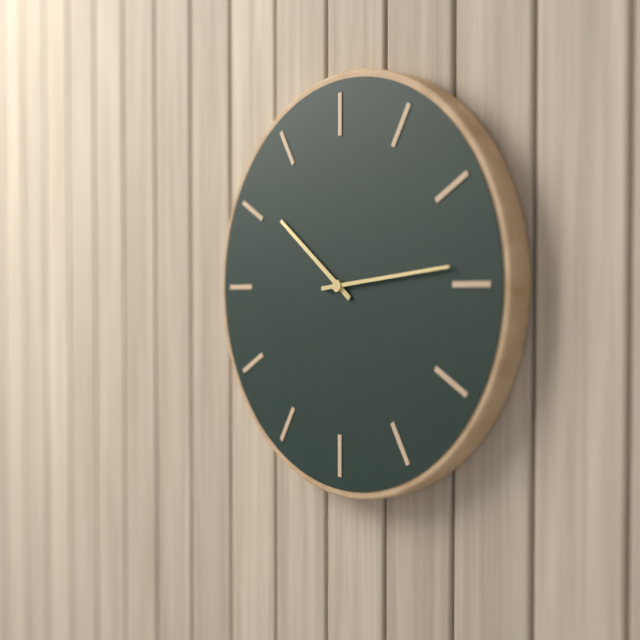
10:14
